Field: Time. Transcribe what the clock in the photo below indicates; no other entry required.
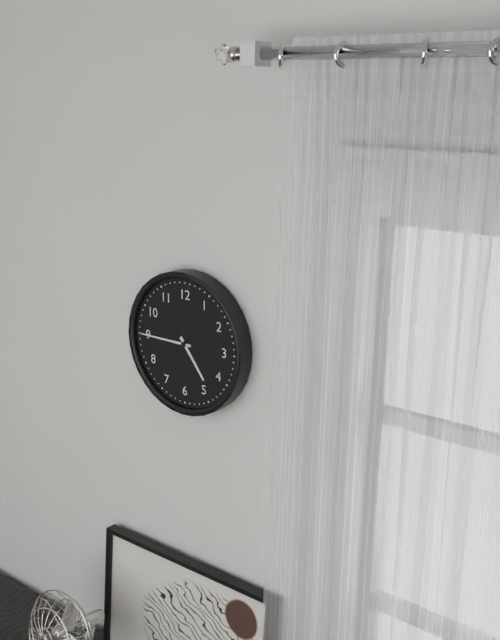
4:45
